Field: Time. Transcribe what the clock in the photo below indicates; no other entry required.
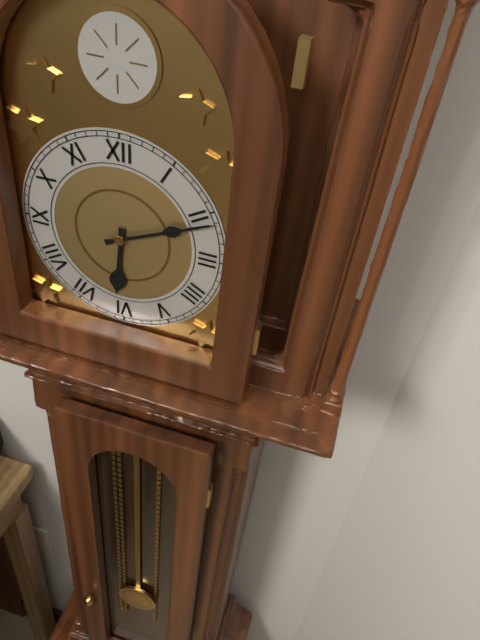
6:11
